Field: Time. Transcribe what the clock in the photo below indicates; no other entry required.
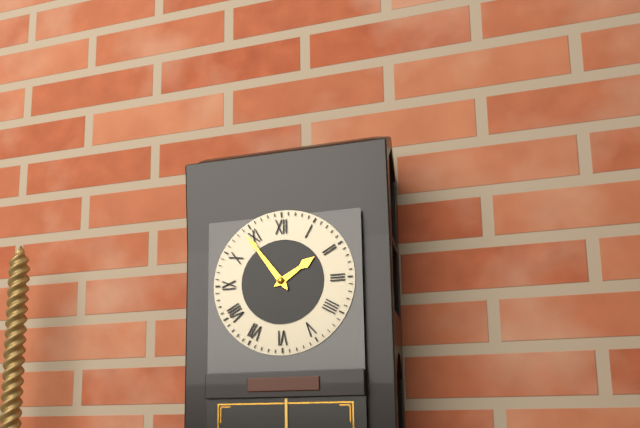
1:54
